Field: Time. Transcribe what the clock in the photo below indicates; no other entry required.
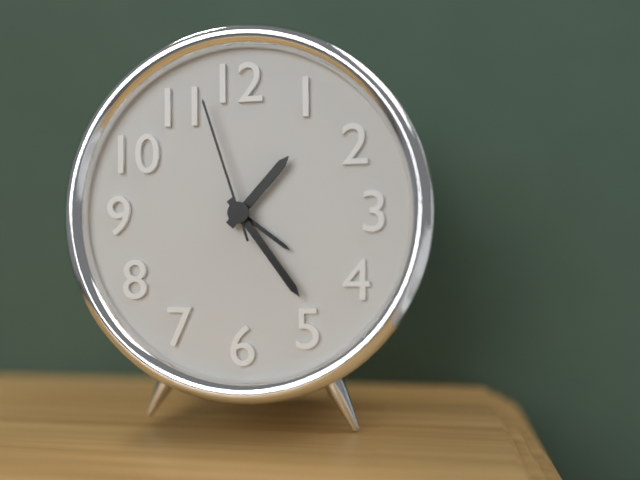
1:24:57
